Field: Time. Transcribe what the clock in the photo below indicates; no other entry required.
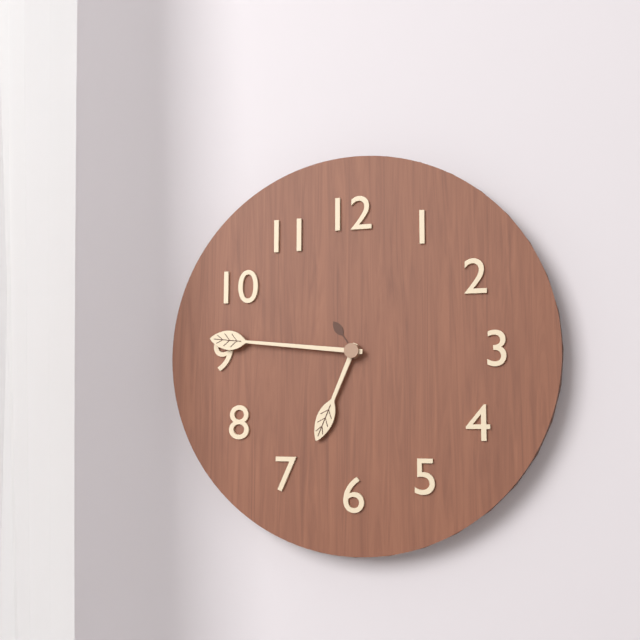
6:46
